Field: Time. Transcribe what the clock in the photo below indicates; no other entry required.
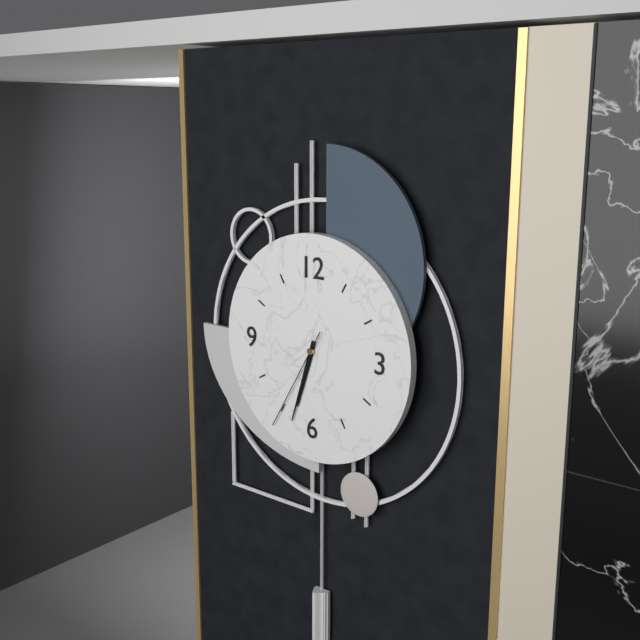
6:33:35
